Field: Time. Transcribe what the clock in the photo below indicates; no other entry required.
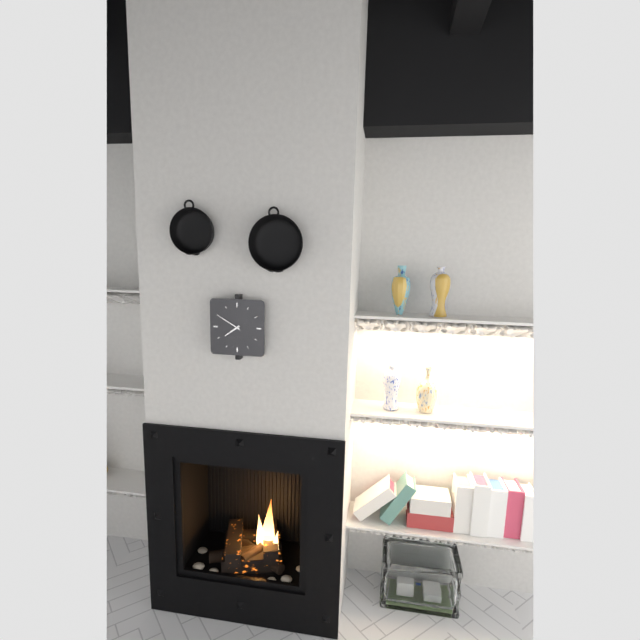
7:50
